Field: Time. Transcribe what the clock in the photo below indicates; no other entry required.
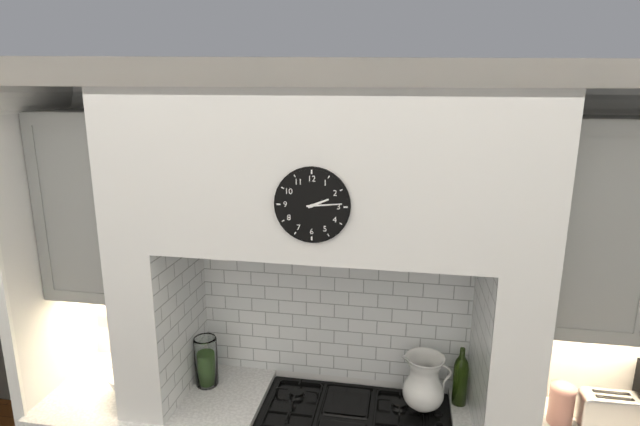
2:14
